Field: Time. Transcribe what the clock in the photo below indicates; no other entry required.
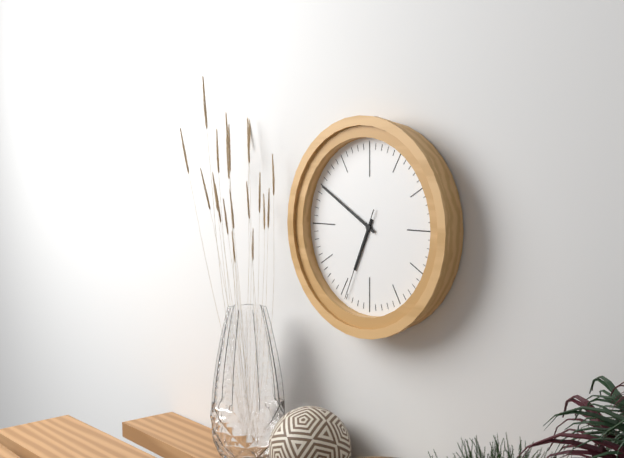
6:50:34
